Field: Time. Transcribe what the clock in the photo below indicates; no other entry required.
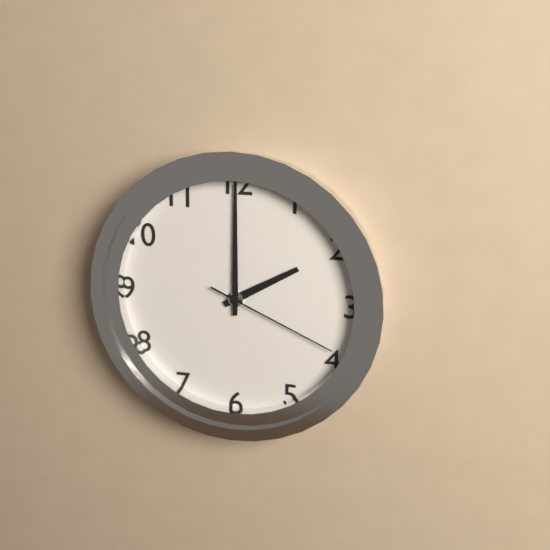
2:00:19
